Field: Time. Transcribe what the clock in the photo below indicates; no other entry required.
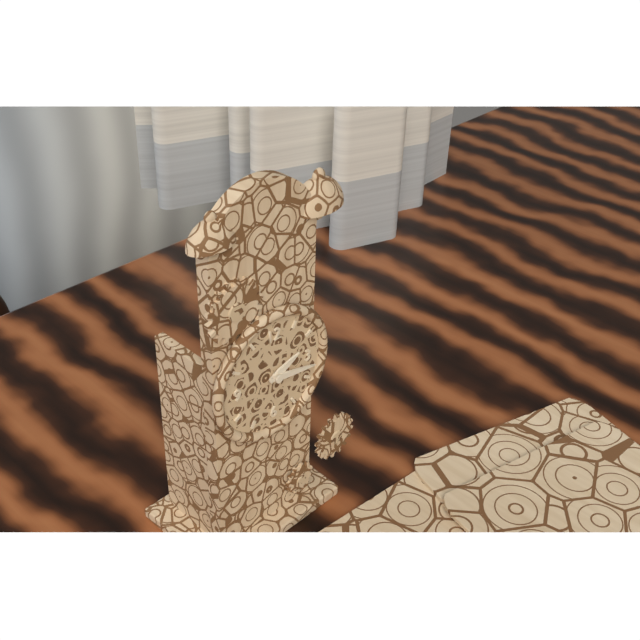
2:17
